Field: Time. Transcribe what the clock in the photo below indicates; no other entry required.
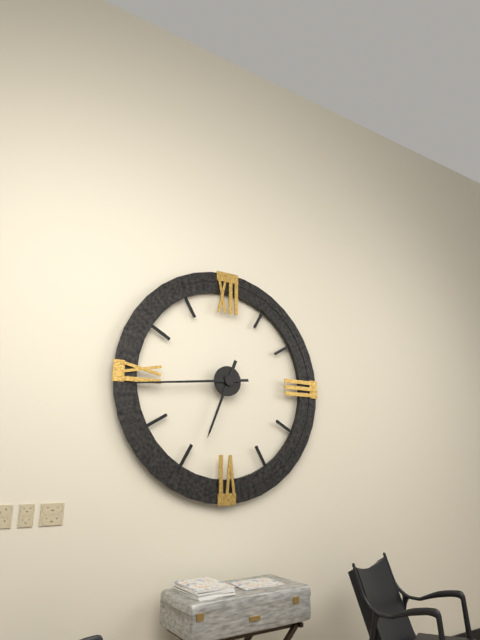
6:44
